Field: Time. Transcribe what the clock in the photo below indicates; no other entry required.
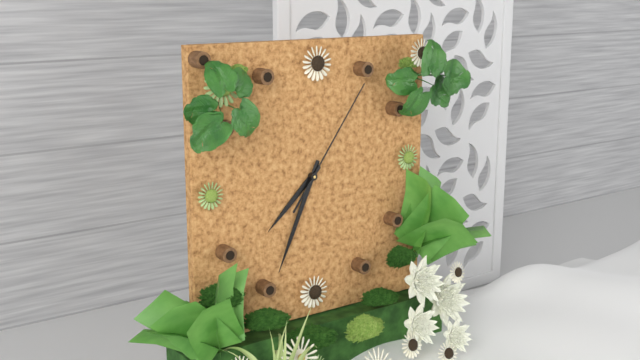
7:34:06
